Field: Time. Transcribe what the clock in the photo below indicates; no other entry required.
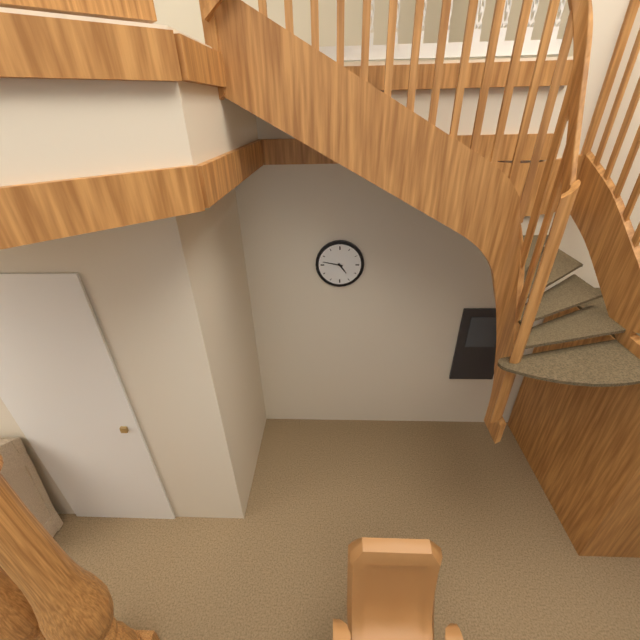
4:47
